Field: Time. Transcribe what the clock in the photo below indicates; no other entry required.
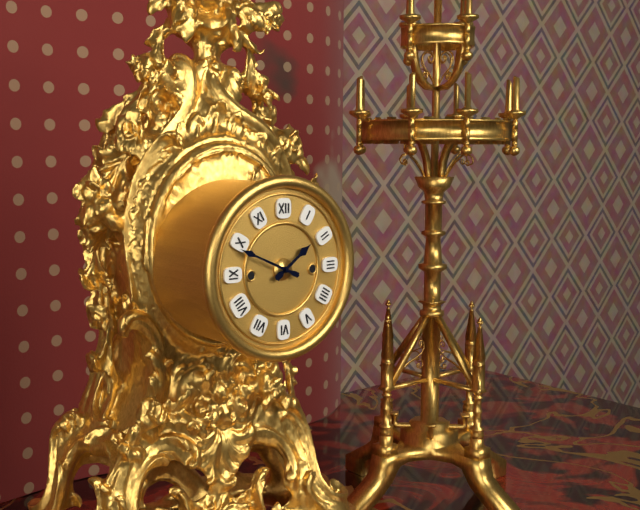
1:49
